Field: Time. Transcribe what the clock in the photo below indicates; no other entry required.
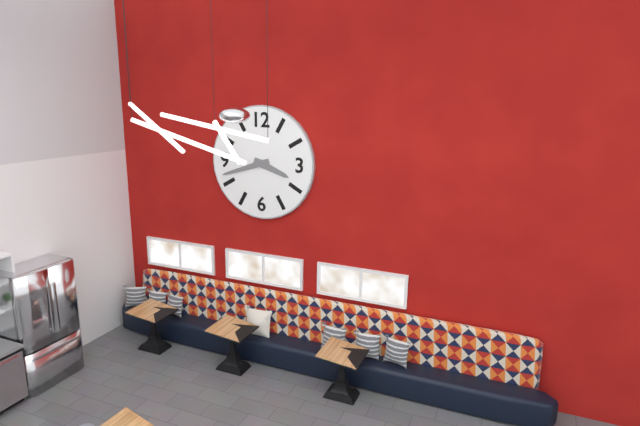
3:42
